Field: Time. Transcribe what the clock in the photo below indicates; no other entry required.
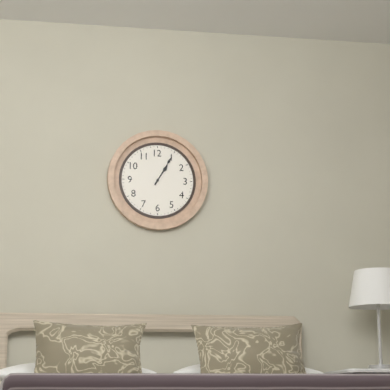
1:05
